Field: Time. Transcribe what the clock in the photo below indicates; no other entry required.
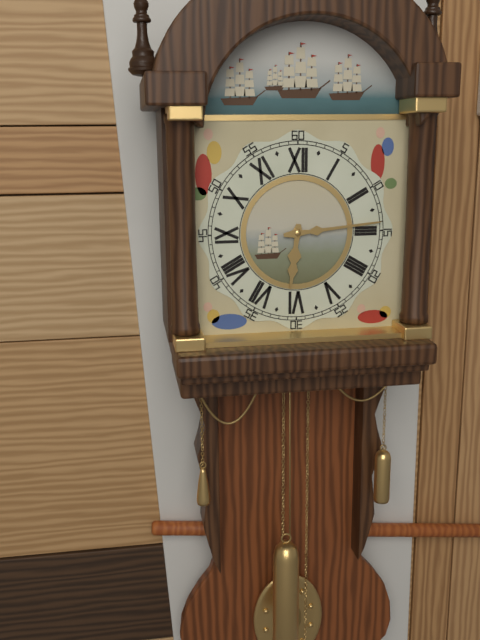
6:14
